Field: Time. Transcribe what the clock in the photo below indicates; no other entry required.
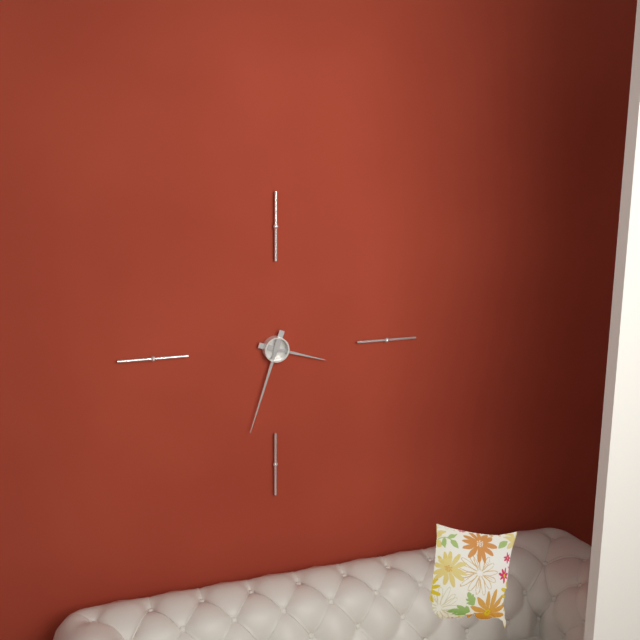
3:33
